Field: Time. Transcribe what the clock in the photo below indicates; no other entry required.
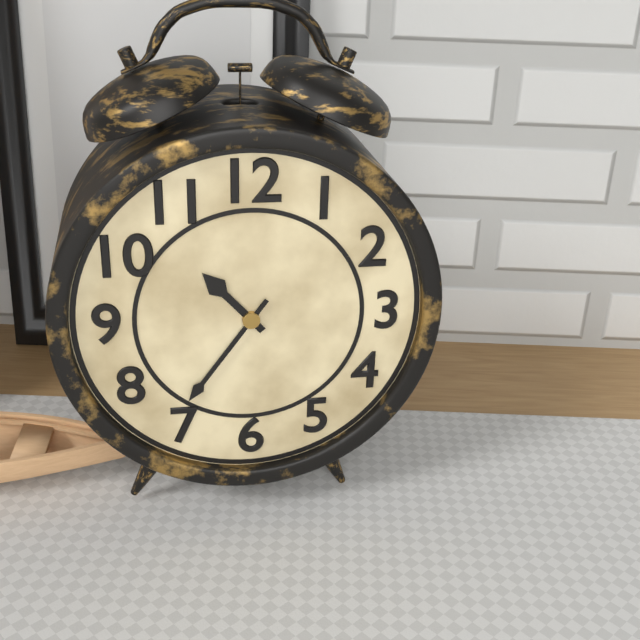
10:36
